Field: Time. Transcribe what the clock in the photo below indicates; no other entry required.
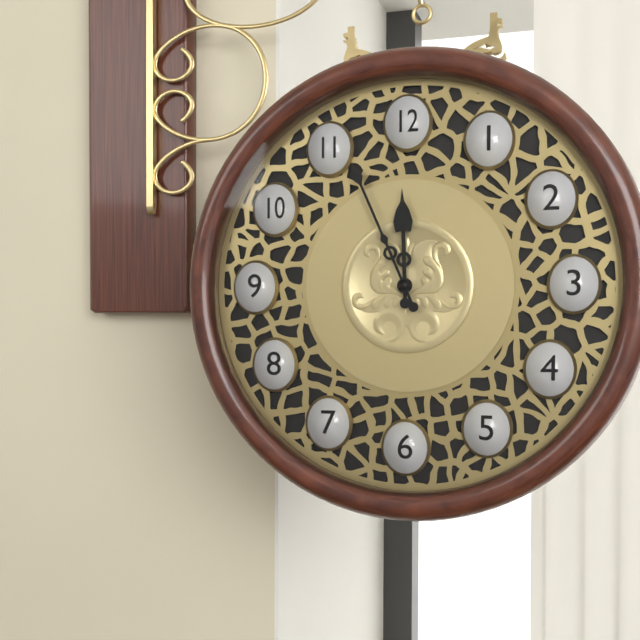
11:56
